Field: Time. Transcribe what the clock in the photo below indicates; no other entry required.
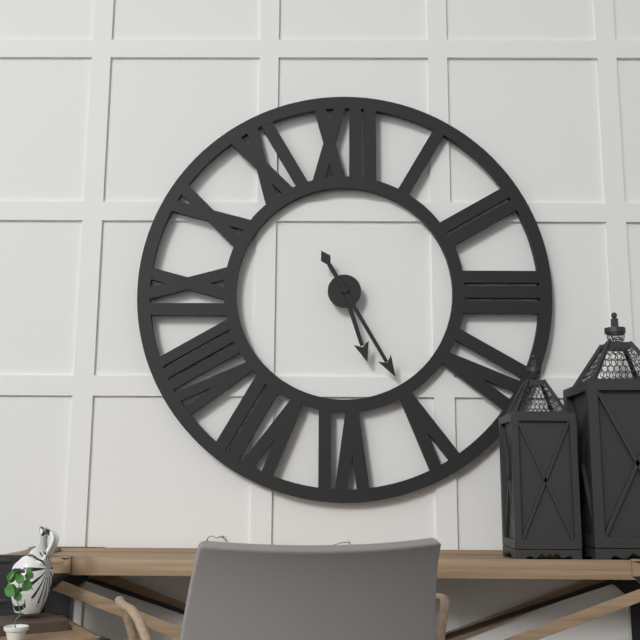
5:25
